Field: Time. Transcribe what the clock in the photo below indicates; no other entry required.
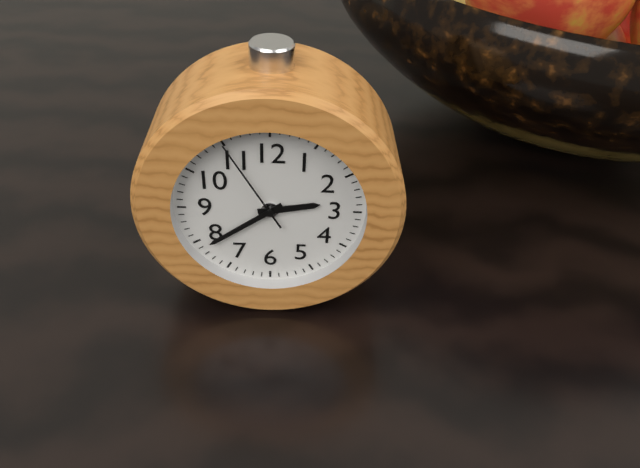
2:39:55
